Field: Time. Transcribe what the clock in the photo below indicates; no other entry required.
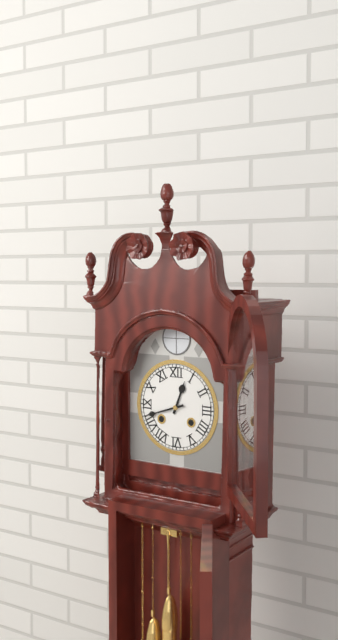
12:42
